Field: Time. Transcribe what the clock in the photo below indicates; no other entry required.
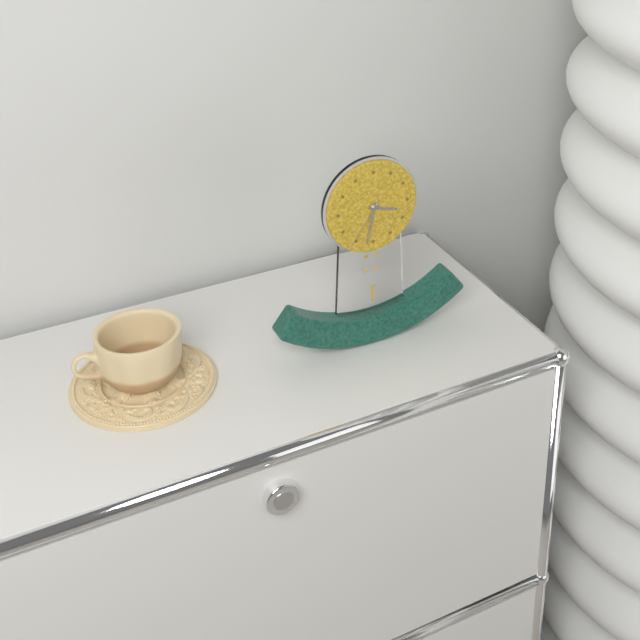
3:32:36
